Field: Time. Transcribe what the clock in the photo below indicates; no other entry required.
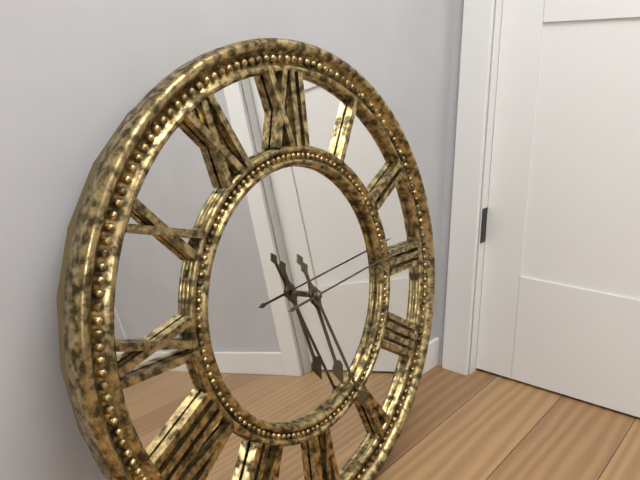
5:26:14
